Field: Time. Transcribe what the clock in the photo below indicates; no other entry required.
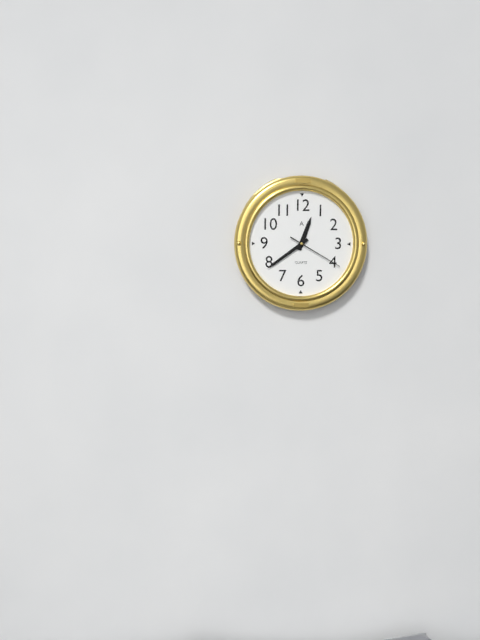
12:39:20
